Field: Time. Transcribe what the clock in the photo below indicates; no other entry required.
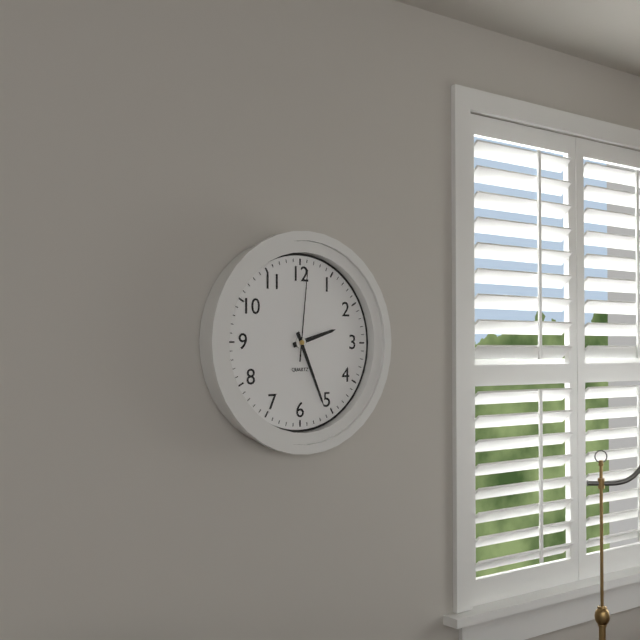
2:26:01
